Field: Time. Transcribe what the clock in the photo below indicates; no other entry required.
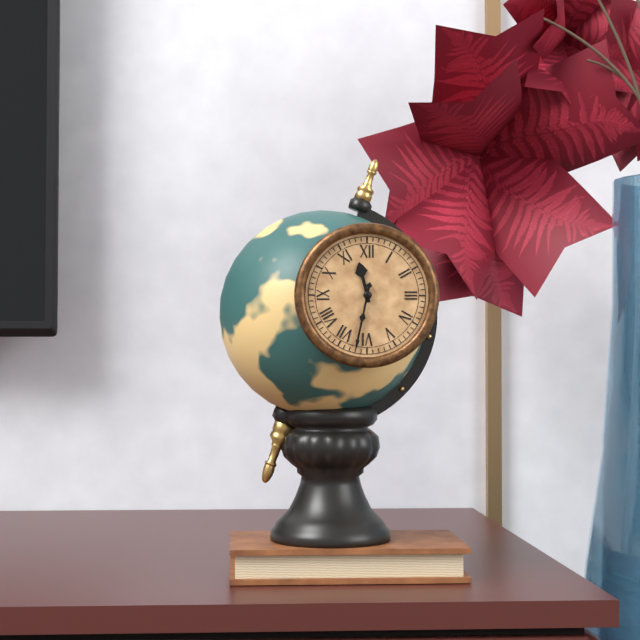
11:32
